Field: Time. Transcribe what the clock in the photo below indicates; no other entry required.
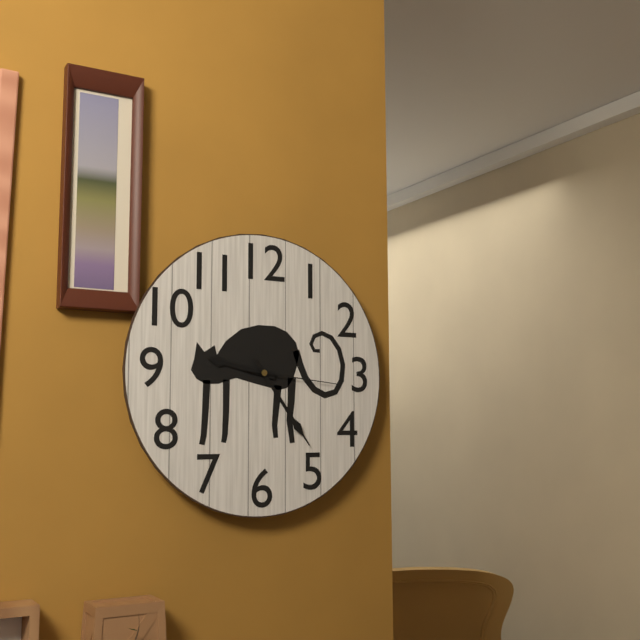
9:24:16
